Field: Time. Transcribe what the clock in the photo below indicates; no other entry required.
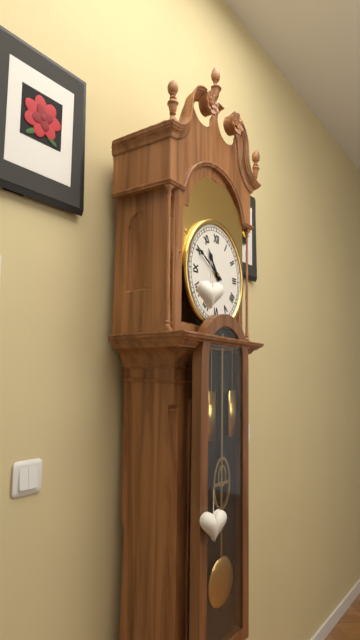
10:50
